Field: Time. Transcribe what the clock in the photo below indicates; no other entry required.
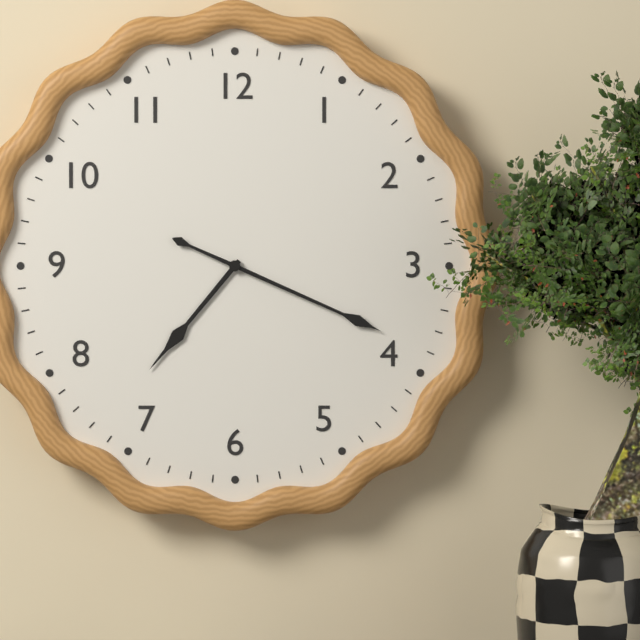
7:19
